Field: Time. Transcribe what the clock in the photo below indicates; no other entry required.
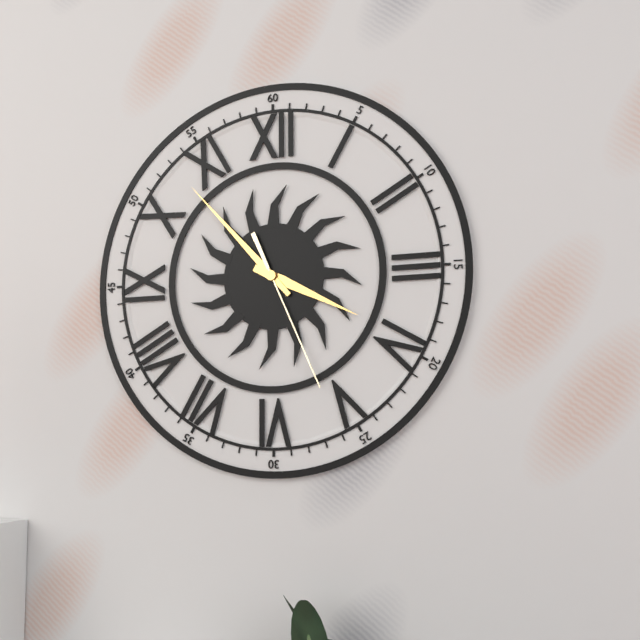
3:53:26
